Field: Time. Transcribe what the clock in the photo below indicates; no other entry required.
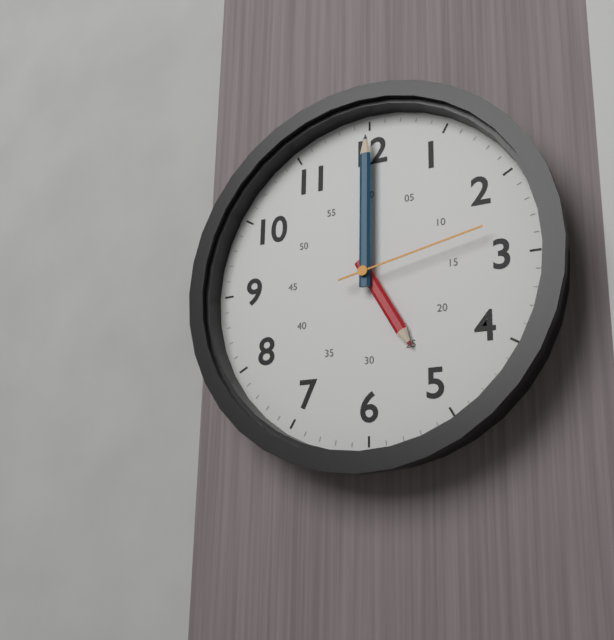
5:00:13
